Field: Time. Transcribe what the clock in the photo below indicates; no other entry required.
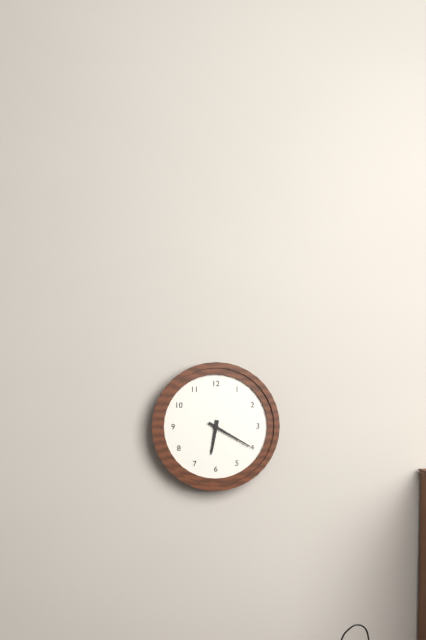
6:20
